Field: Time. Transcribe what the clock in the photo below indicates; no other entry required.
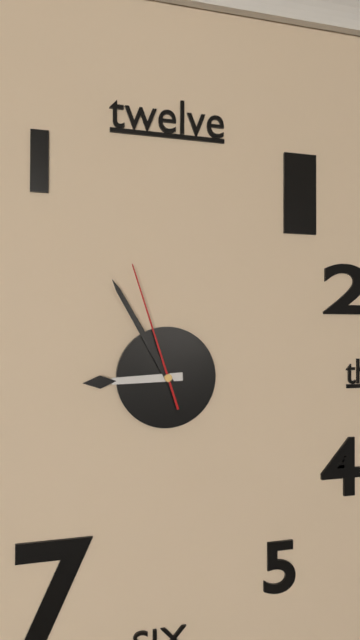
8:55:57
